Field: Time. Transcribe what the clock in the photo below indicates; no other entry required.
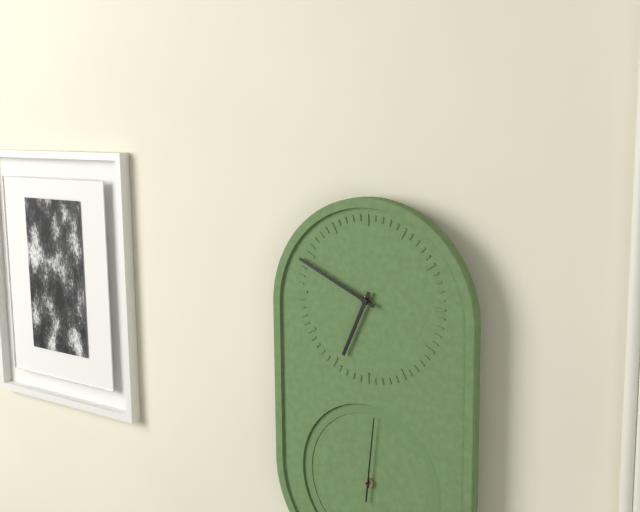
6:49:01
